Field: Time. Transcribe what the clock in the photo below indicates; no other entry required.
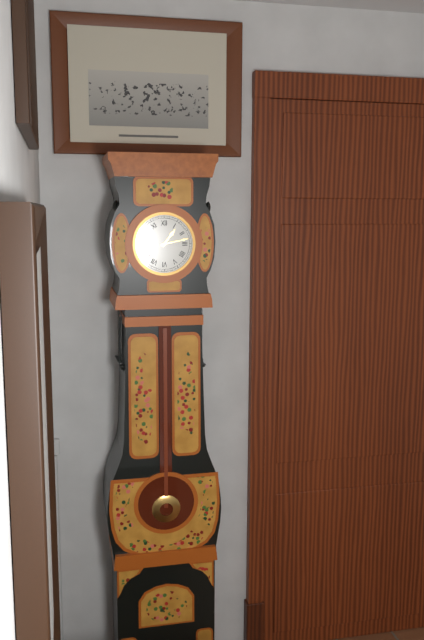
1:13
